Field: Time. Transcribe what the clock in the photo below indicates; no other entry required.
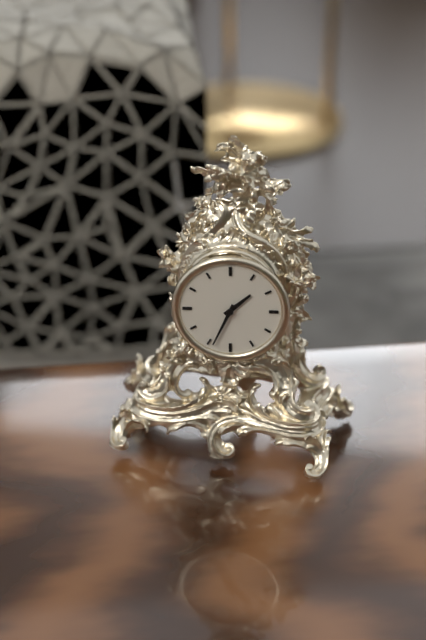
1:34
